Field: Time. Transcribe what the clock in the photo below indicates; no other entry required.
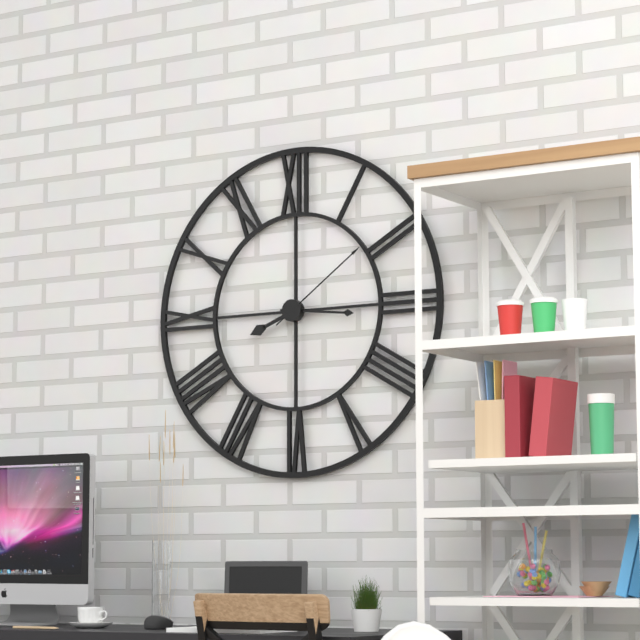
8:16:09
